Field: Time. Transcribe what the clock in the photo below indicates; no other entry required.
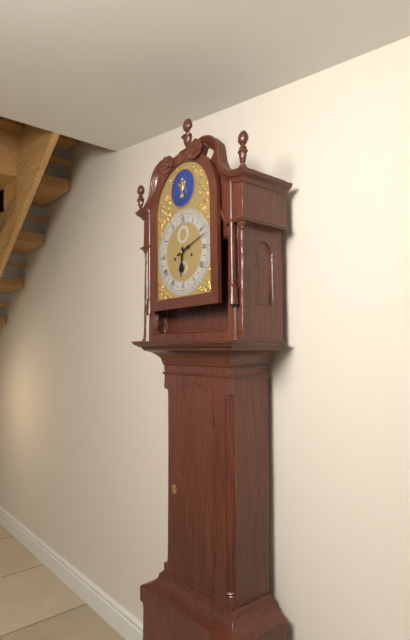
6:12
